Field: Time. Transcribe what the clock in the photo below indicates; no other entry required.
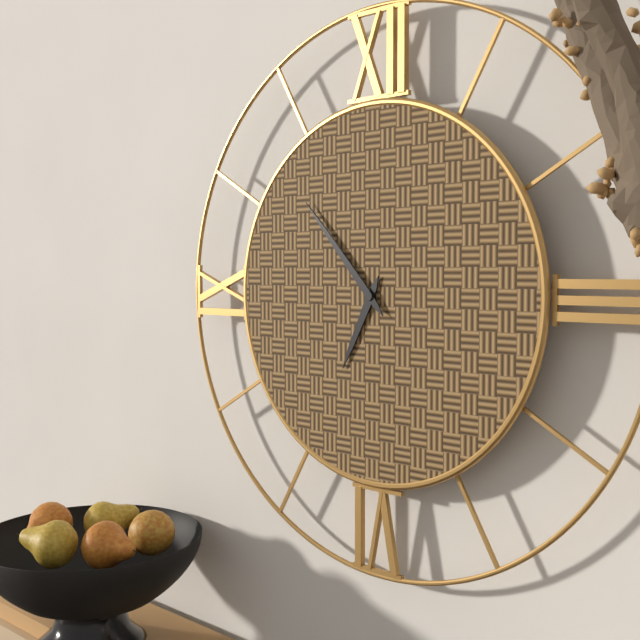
6:53
